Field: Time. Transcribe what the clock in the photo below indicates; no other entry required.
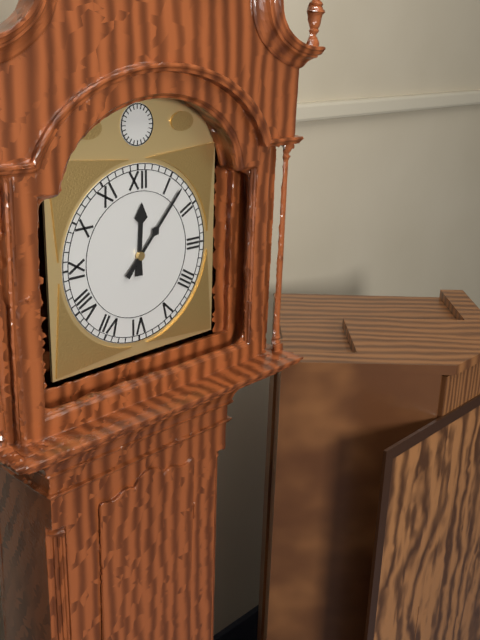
12:07
